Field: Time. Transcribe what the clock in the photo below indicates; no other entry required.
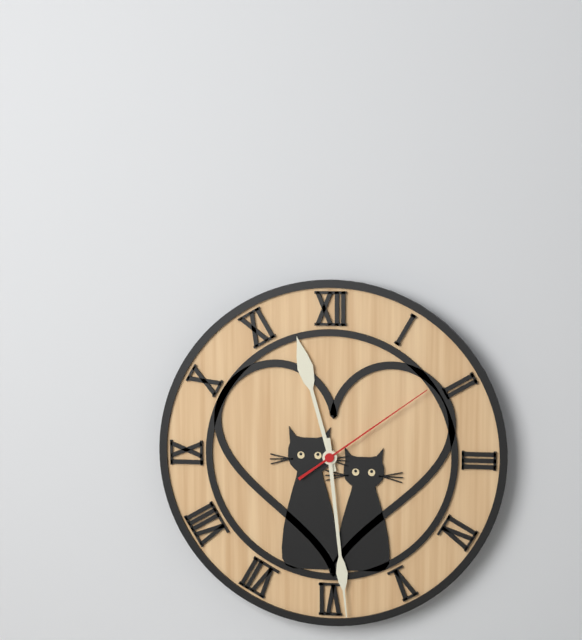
11:29:09
